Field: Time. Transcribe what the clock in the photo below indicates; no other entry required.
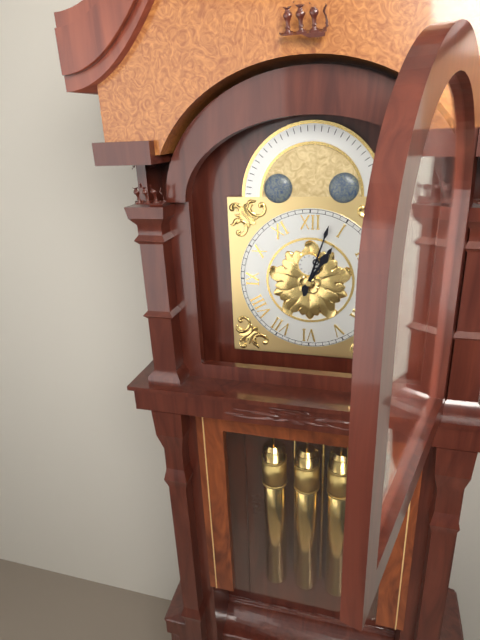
1:03
